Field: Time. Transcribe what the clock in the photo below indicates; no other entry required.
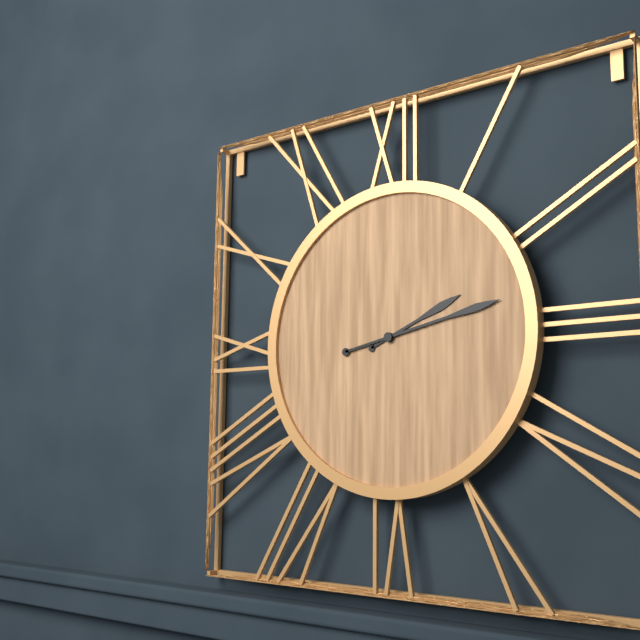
2:13
